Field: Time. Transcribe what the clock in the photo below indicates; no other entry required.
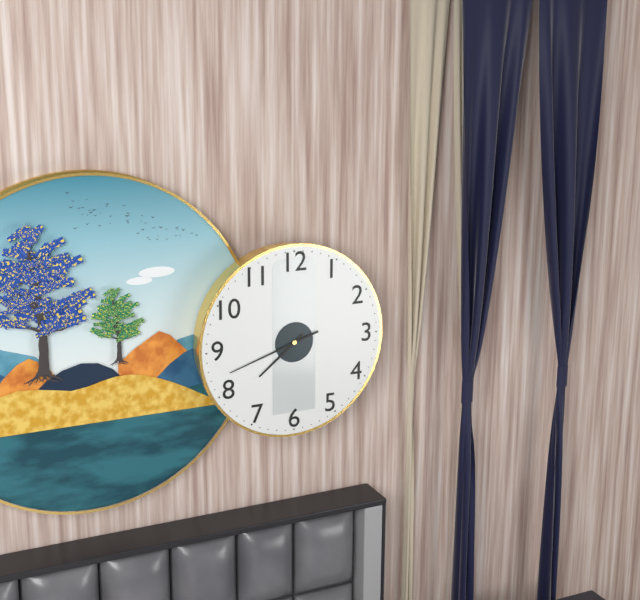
7:42
